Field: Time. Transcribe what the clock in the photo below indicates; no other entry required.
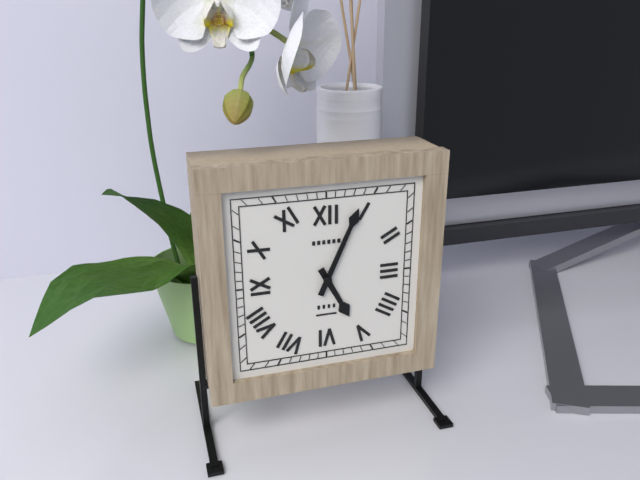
5:04
